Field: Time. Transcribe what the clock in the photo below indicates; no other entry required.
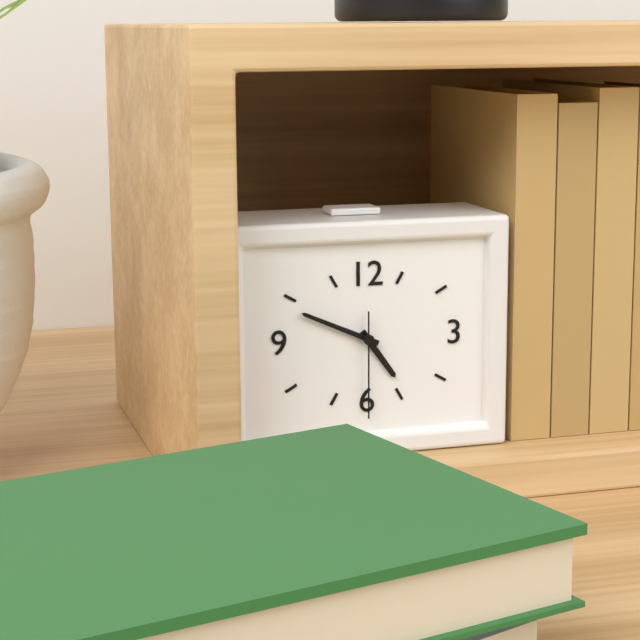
4:49:30
